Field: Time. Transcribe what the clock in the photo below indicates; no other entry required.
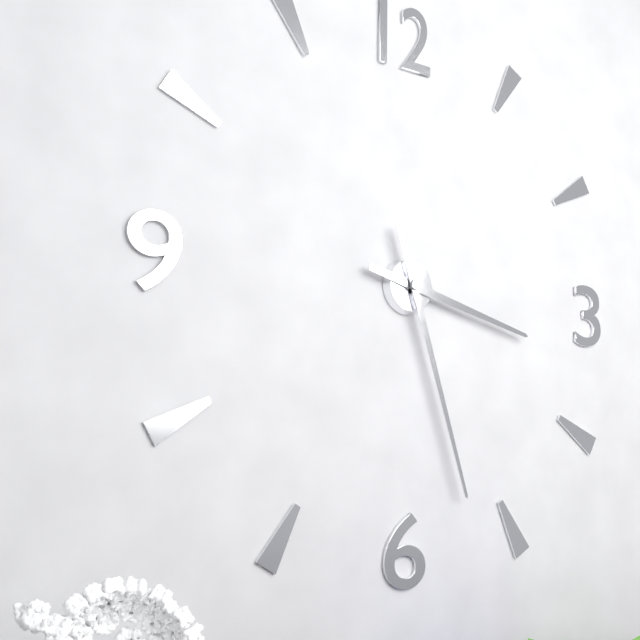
3:27
